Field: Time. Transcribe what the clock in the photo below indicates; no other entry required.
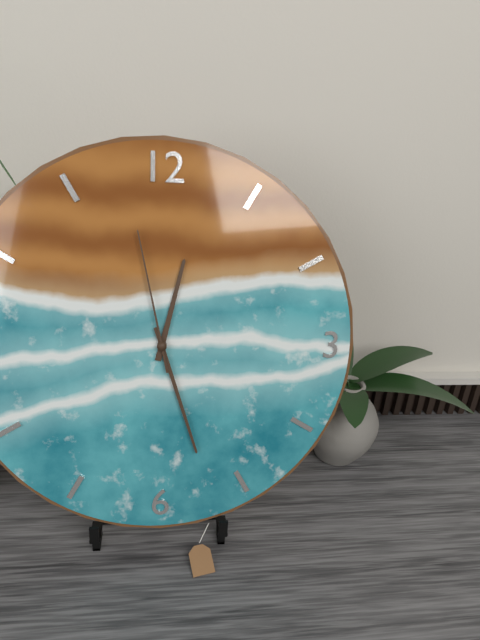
12:27:58
